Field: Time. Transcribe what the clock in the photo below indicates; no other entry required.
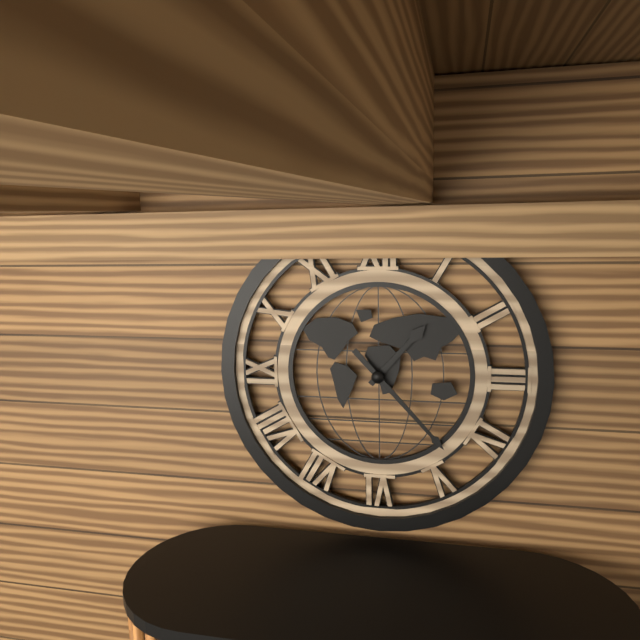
1:23
